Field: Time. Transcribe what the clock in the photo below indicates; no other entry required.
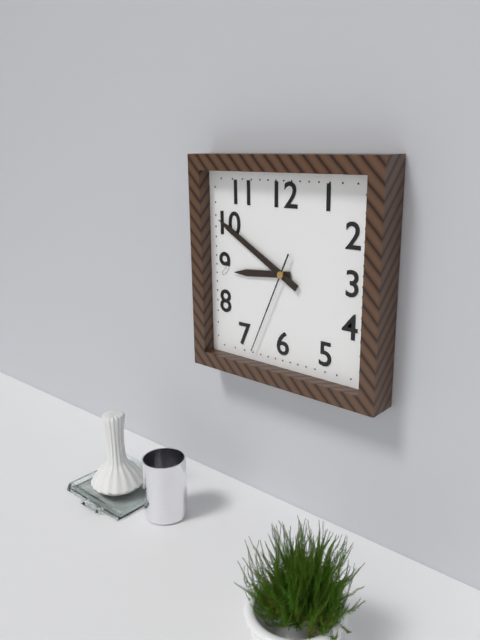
8:50:34
